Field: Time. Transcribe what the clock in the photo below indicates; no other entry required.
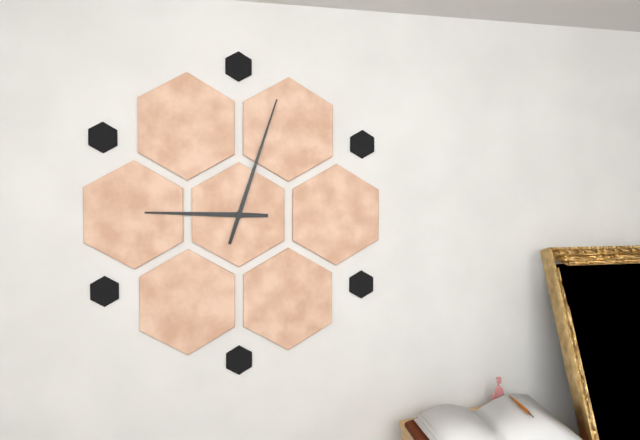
9:03
